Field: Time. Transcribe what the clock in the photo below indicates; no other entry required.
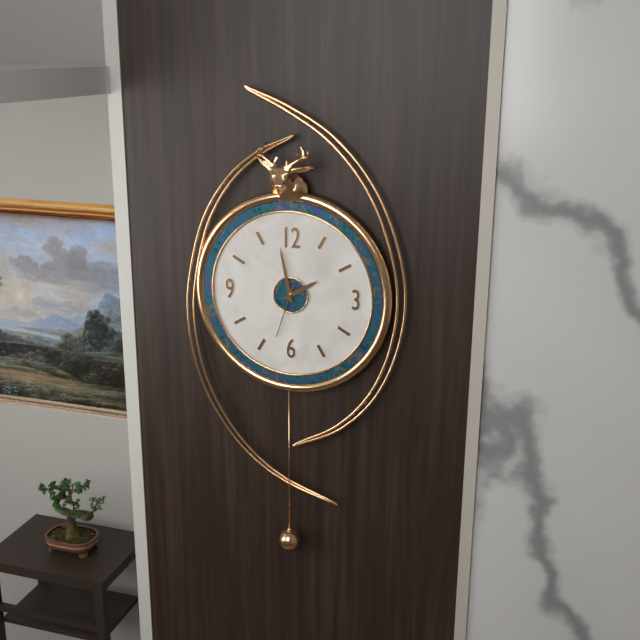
1:58:33
